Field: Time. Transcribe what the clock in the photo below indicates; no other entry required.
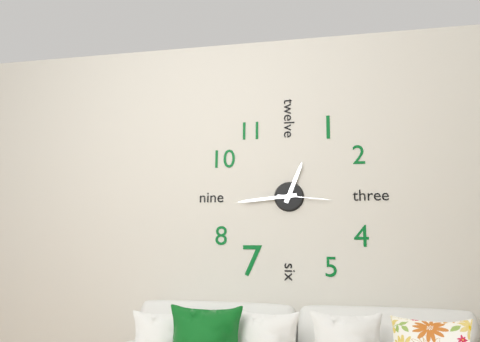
12:44:16
